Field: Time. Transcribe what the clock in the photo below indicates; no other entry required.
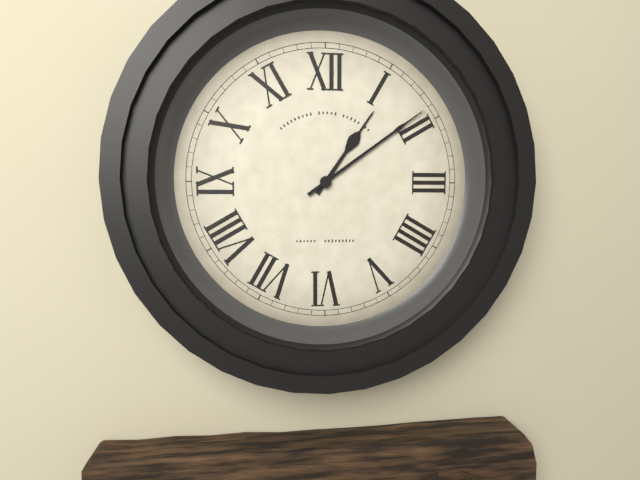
1:09
